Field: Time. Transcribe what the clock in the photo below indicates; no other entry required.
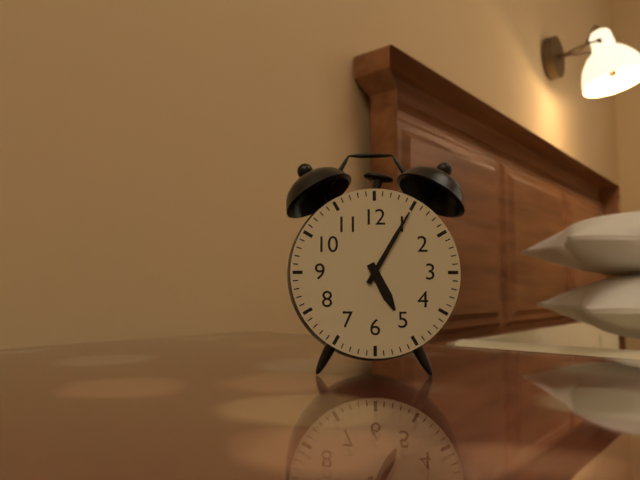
5:05
